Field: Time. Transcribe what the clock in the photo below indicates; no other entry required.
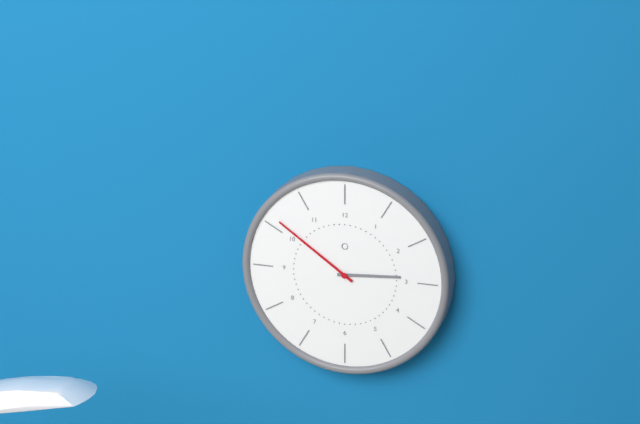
2:51
